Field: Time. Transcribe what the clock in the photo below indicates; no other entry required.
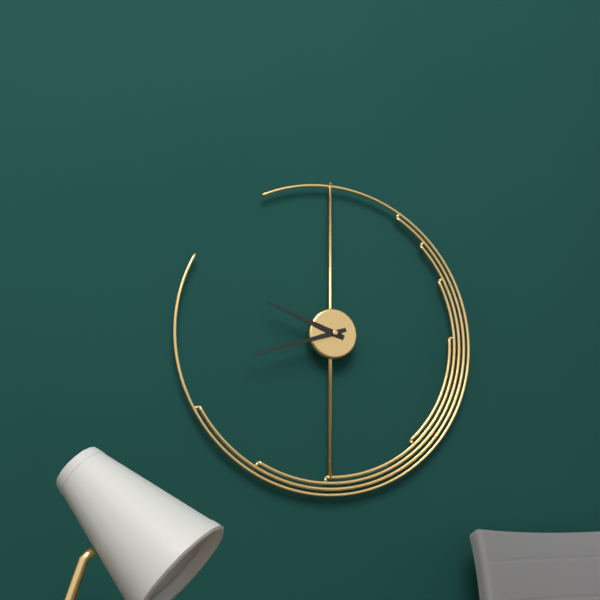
9:42
